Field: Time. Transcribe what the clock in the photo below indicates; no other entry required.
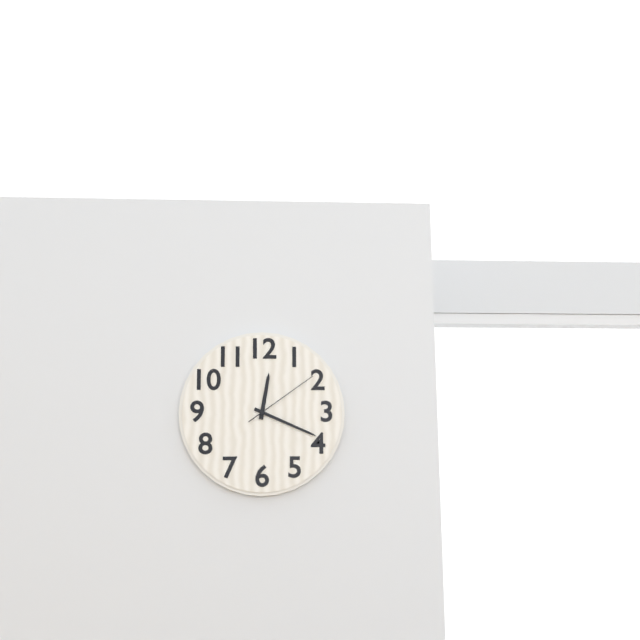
12:19:09
